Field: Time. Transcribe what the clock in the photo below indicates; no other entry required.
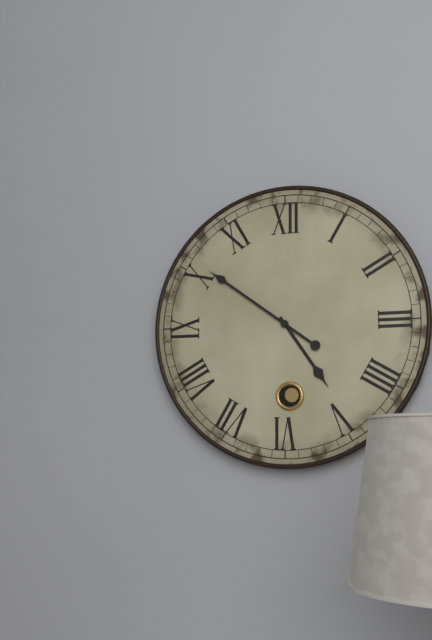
4:51
